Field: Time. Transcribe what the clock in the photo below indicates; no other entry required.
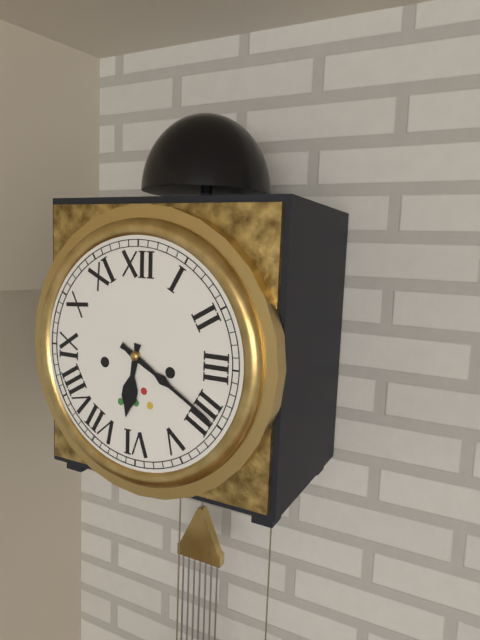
6:20
